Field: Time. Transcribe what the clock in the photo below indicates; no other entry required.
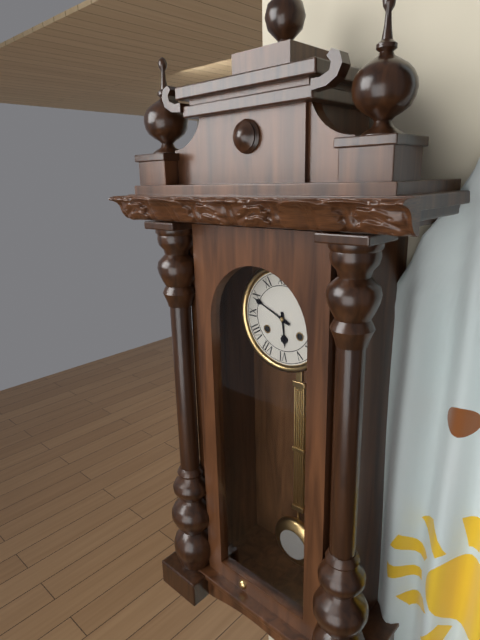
5:49
